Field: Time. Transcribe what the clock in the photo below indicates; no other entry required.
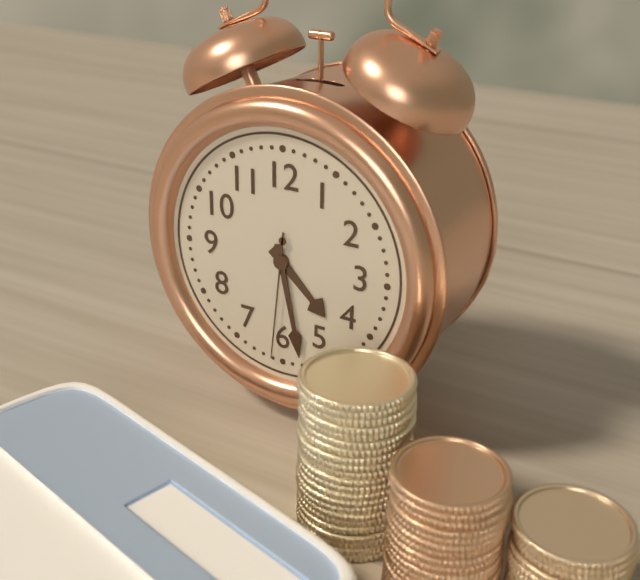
4:28:31
